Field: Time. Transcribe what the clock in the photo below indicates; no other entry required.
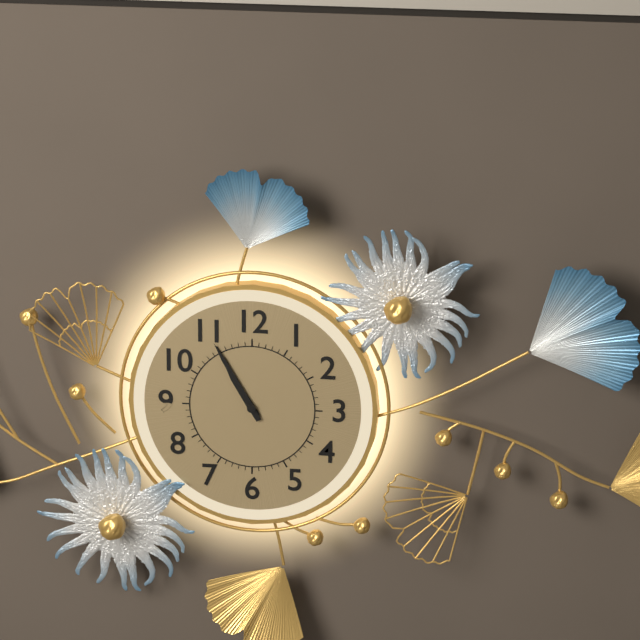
10:55
